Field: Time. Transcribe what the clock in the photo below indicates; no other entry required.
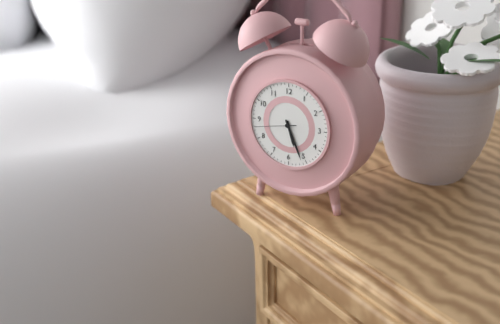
5:26
